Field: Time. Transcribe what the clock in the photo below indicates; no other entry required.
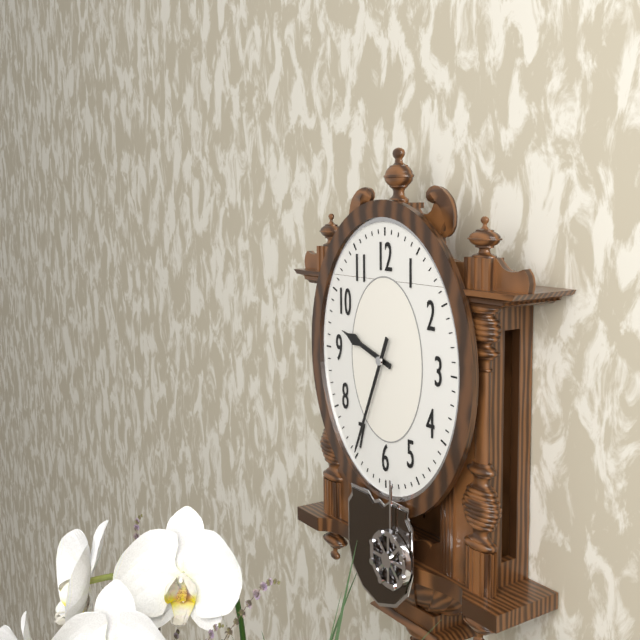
9:34
